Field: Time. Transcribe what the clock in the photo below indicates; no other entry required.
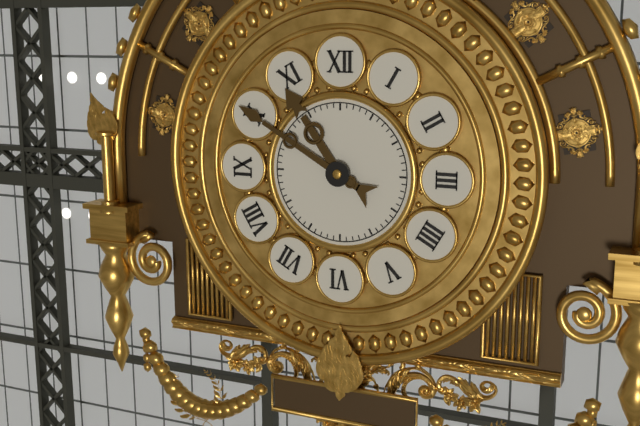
10:50
